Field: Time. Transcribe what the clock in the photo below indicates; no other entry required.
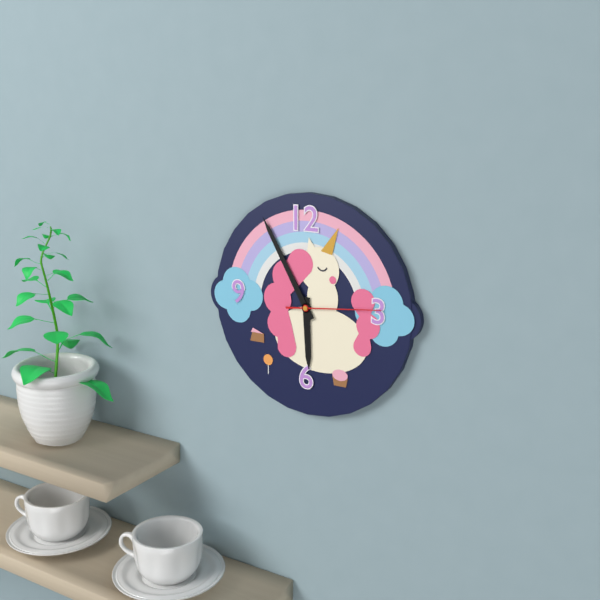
5:55:14
